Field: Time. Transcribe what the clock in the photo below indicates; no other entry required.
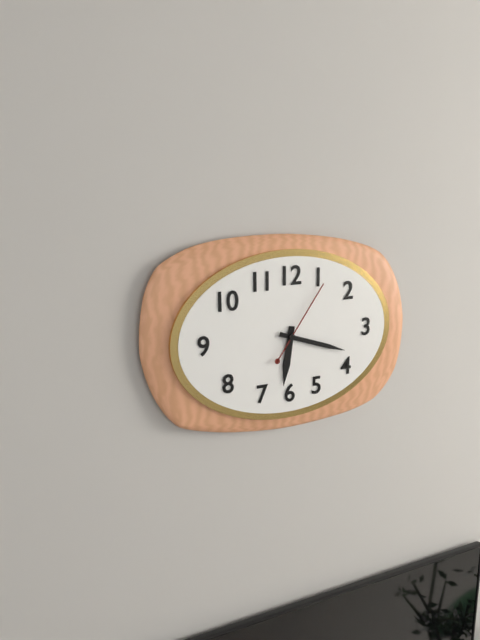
6:18:06
